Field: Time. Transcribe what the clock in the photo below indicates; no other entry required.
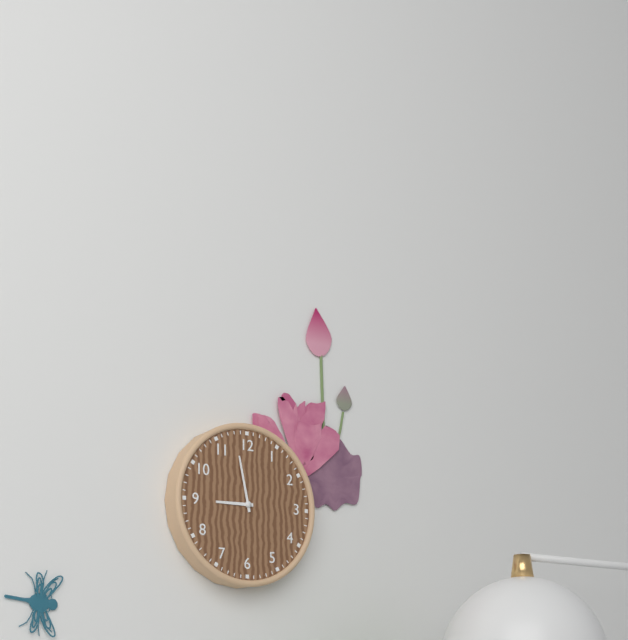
8:58
